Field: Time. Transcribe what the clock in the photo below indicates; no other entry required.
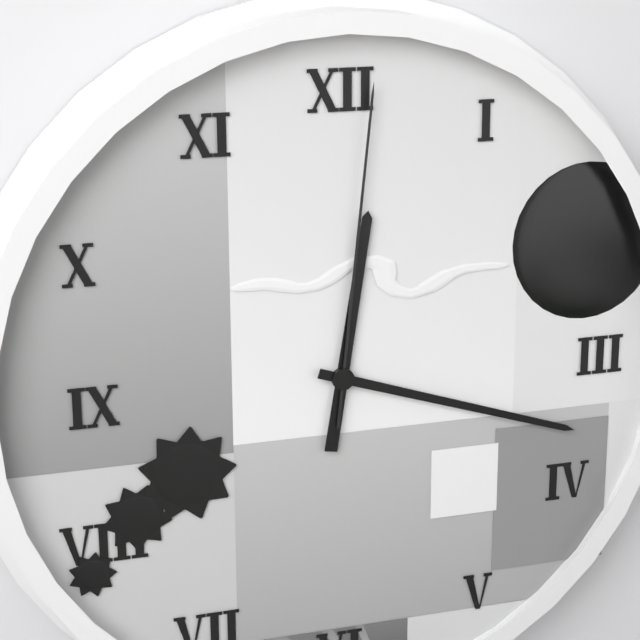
12:18:01
